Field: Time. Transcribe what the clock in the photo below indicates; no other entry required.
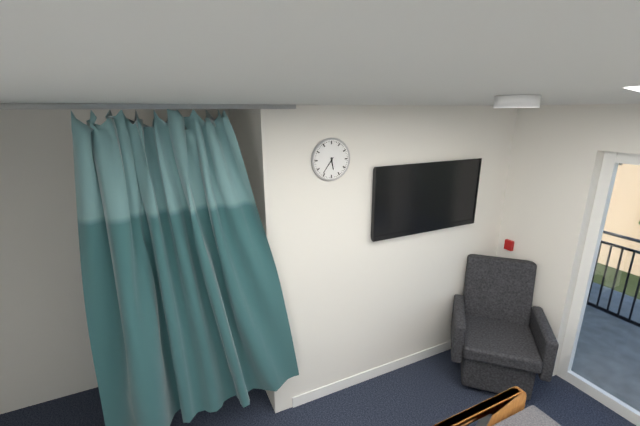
5:36
